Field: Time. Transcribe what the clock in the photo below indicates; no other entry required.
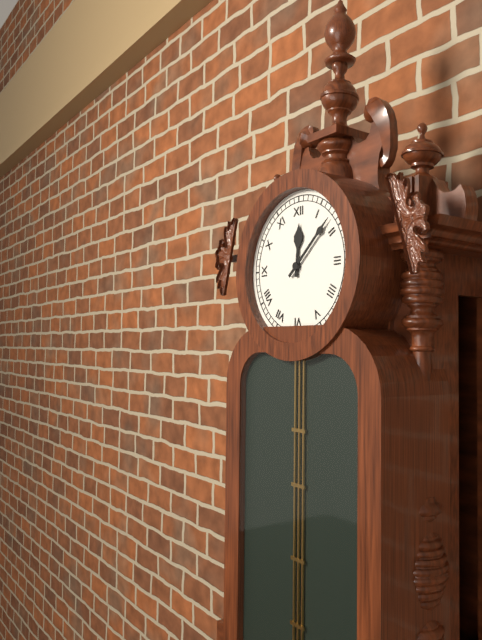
12:08
